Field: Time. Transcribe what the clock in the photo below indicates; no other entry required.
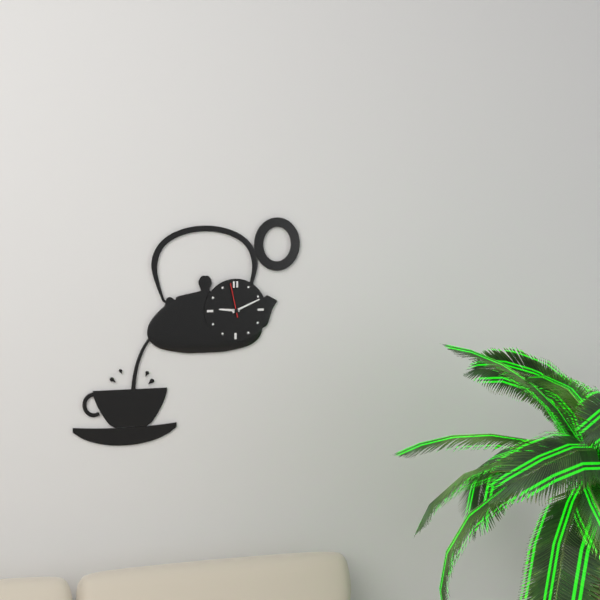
9:11
